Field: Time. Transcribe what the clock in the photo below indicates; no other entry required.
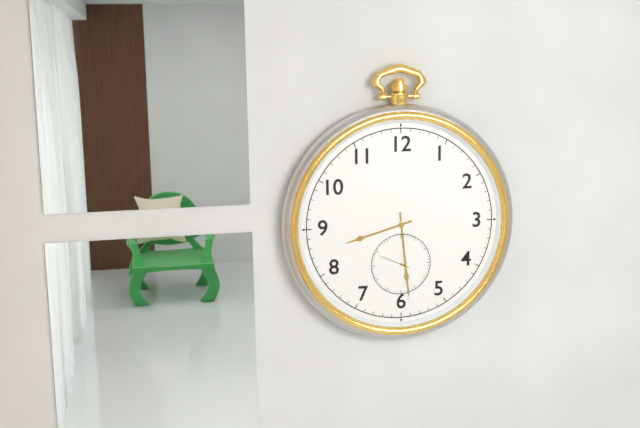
8:29
